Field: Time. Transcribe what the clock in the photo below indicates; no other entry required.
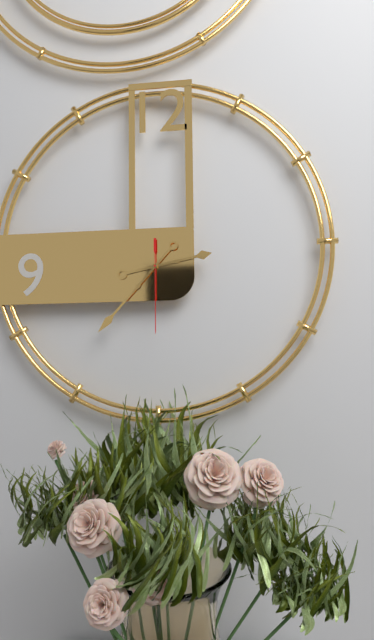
2:37:30
